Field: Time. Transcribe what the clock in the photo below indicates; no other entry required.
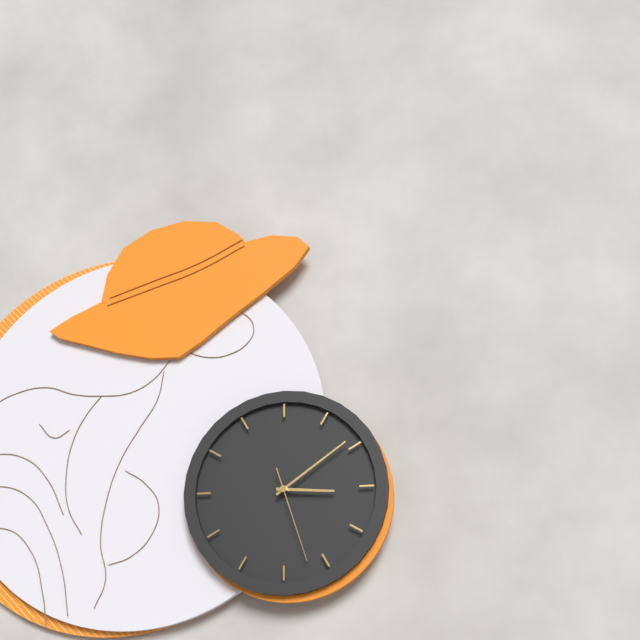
3:09:27
